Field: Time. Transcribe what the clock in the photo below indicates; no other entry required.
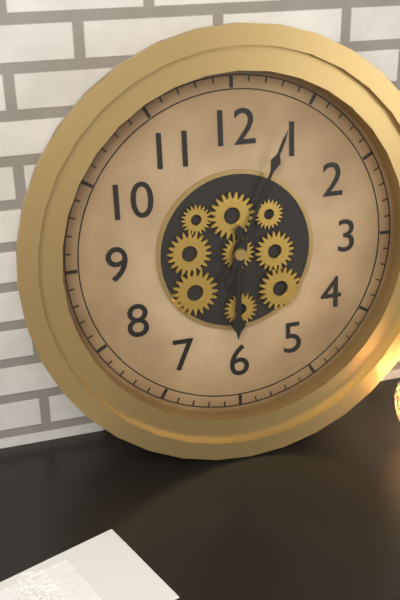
6:04
